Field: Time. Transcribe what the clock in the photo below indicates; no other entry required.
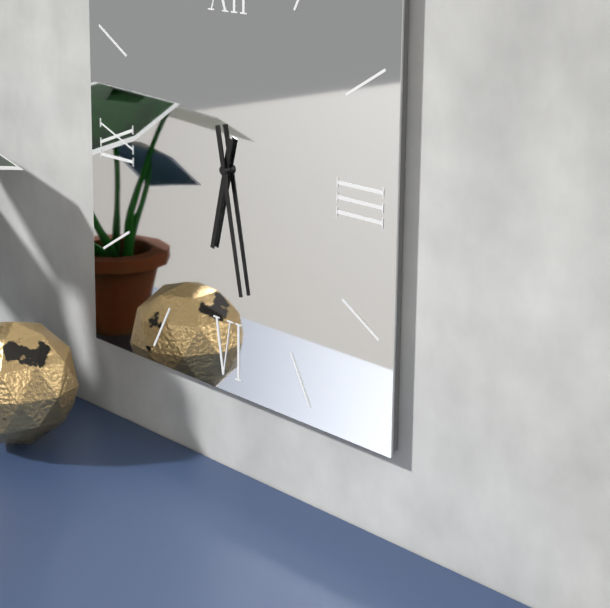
6:28
